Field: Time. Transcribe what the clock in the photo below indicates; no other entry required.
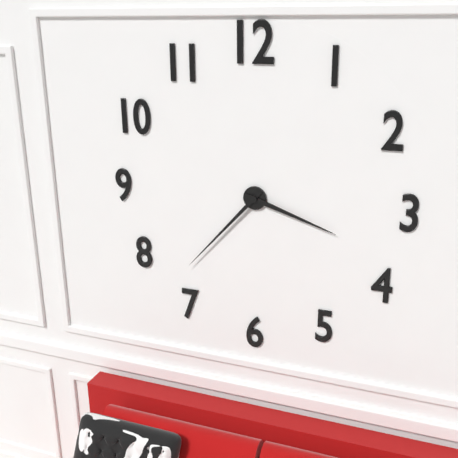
3:37
